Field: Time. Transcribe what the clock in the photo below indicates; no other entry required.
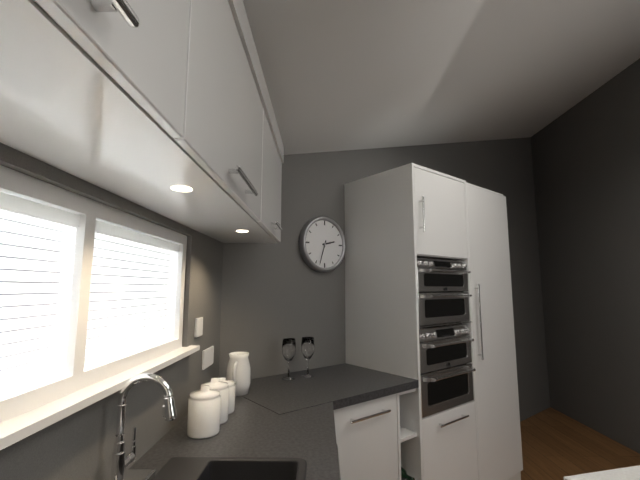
2:33
